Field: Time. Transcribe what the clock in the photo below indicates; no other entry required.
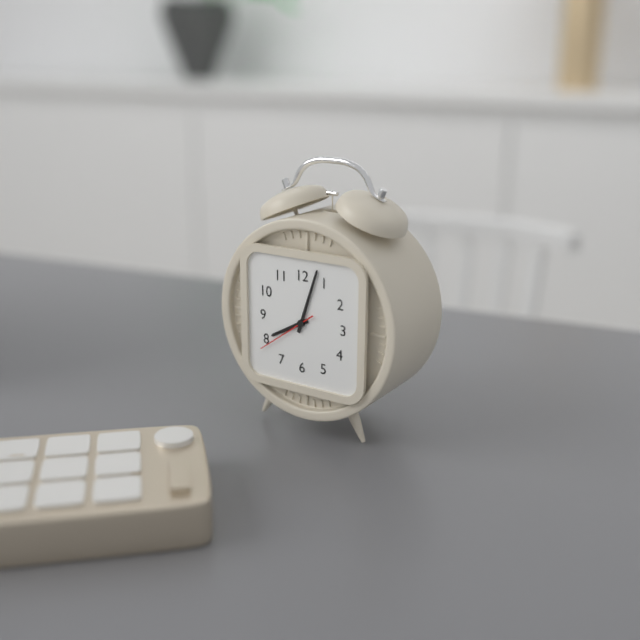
8:03:39
